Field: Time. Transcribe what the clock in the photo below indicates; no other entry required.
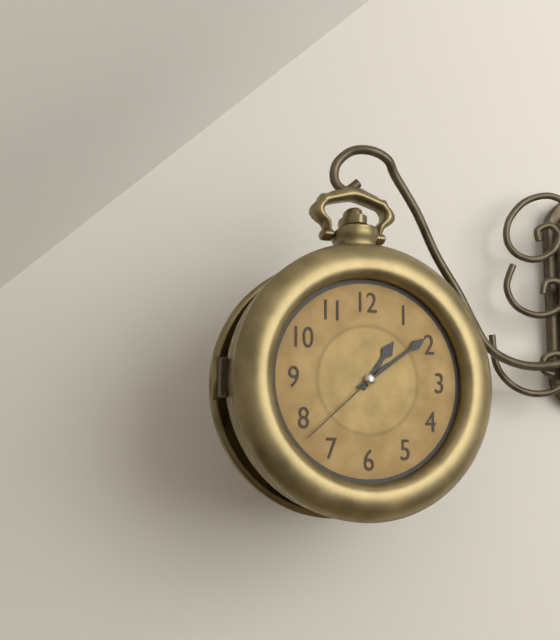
1:09:38
